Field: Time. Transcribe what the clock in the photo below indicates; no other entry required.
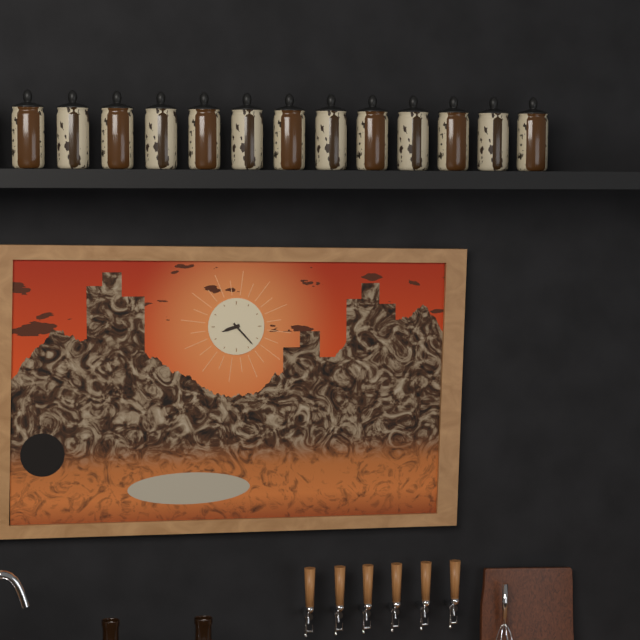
8:23
